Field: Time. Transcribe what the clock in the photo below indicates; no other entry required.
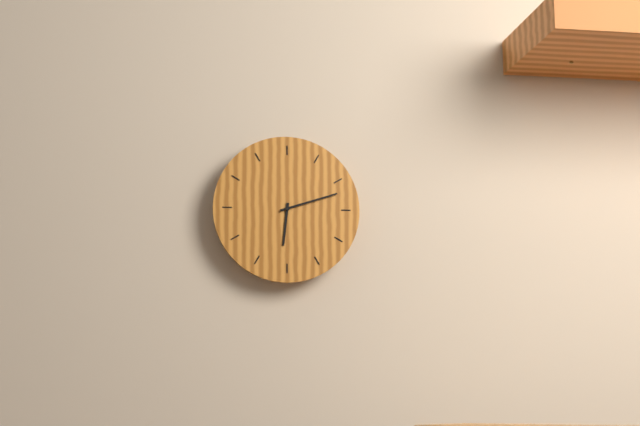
6:12
